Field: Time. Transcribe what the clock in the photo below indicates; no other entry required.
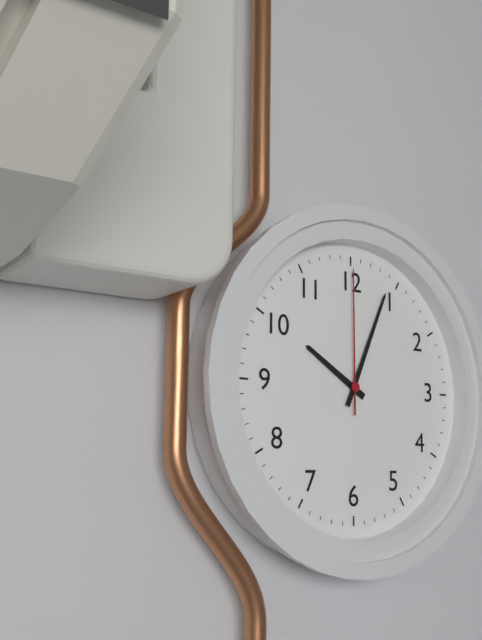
10:04:00
